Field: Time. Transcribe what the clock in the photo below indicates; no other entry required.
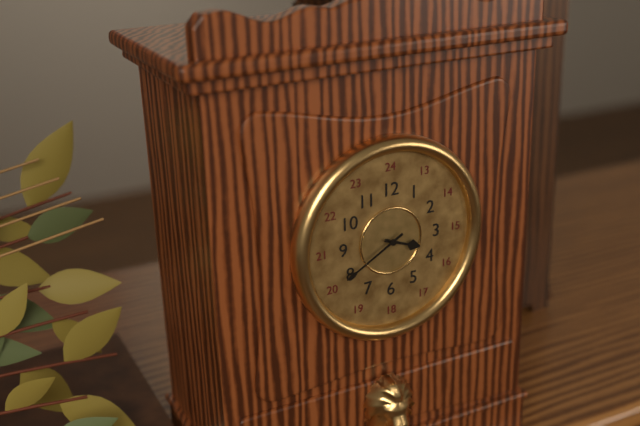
3:40
